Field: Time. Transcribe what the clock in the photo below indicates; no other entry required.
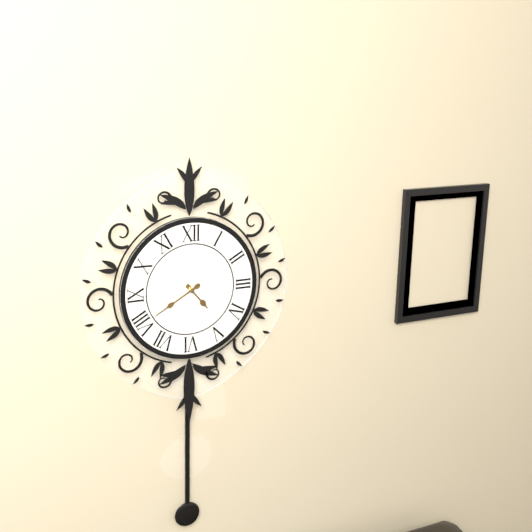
4:40
